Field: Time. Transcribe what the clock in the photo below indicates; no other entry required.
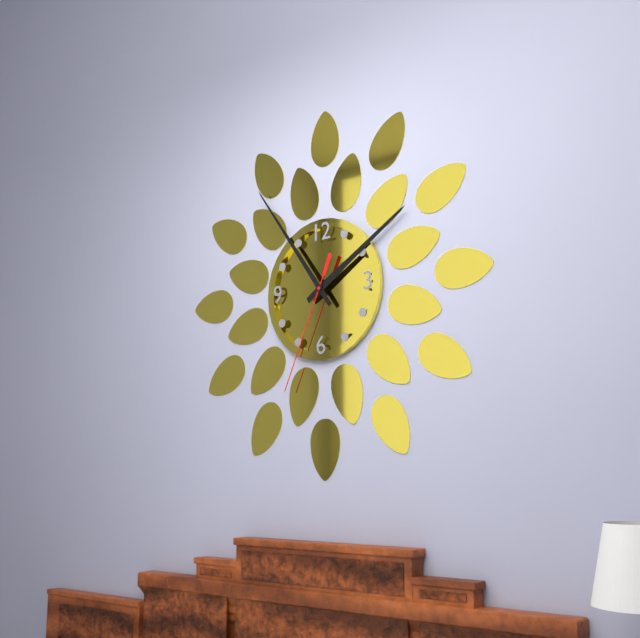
1:54:34
